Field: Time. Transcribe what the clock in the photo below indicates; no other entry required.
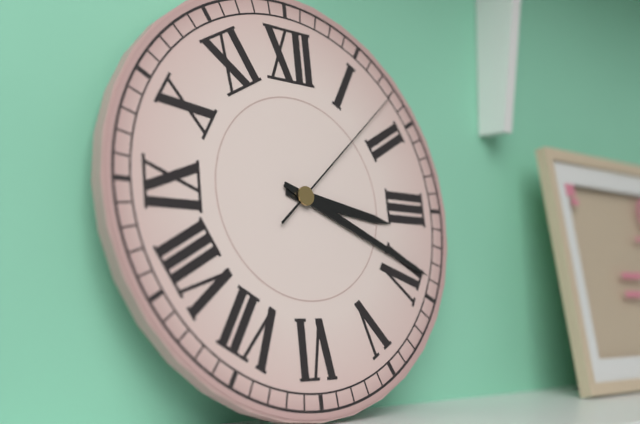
3:19:08
